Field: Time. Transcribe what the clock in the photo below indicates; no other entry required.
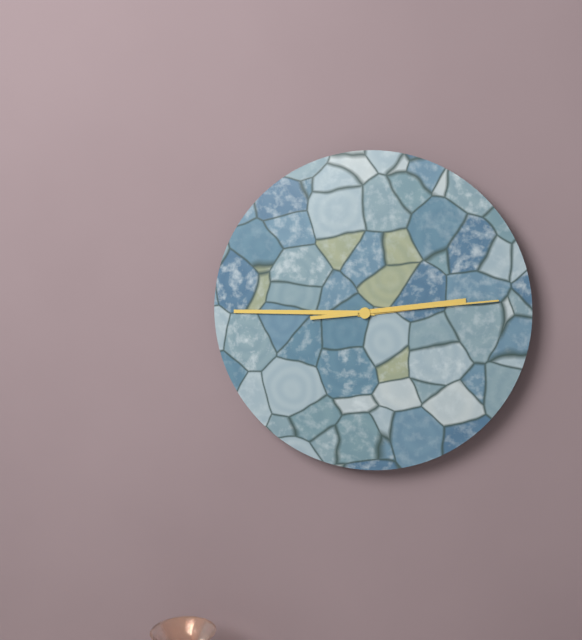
2:45:14
